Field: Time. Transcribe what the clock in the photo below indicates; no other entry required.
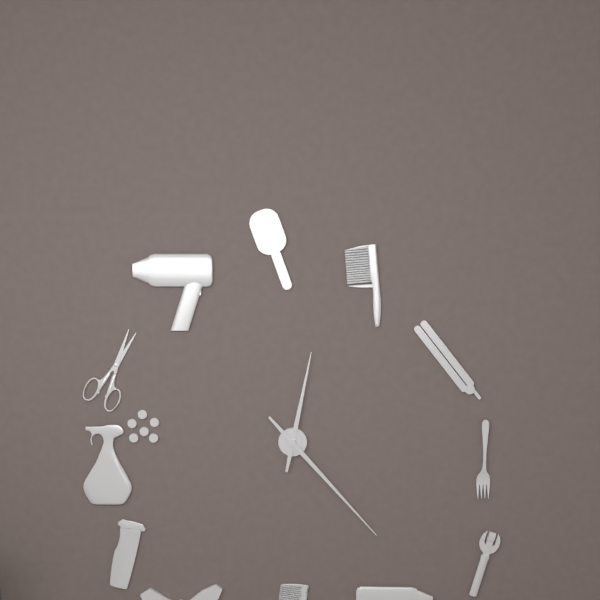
12:23
